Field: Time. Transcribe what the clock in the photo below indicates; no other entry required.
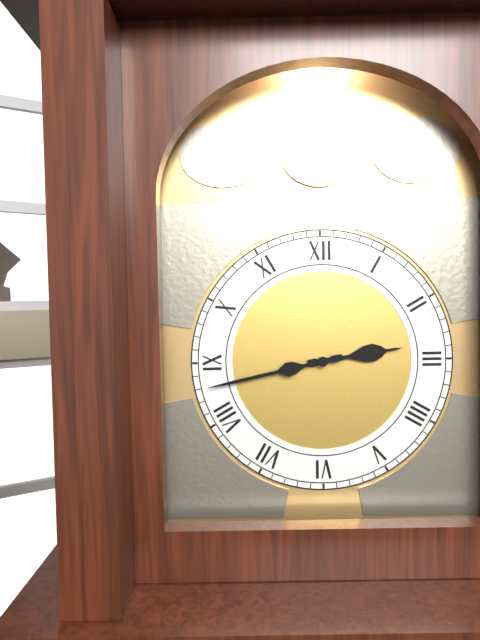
2:43
